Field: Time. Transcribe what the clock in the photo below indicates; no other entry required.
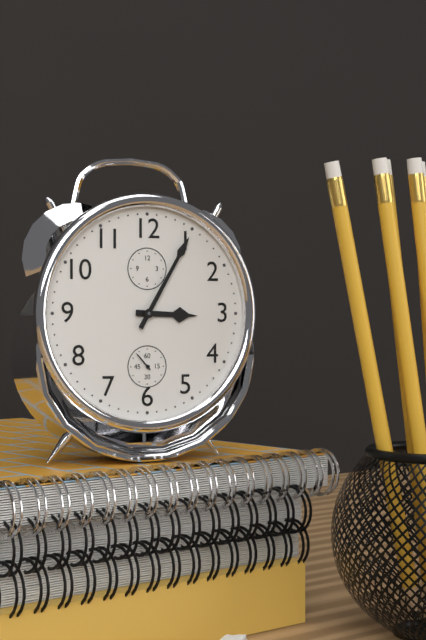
3:05
